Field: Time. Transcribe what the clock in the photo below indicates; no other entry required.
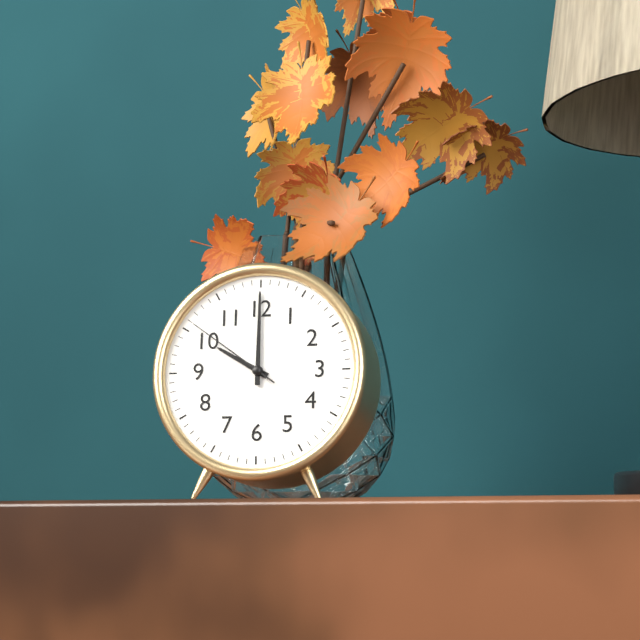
10:00:51
